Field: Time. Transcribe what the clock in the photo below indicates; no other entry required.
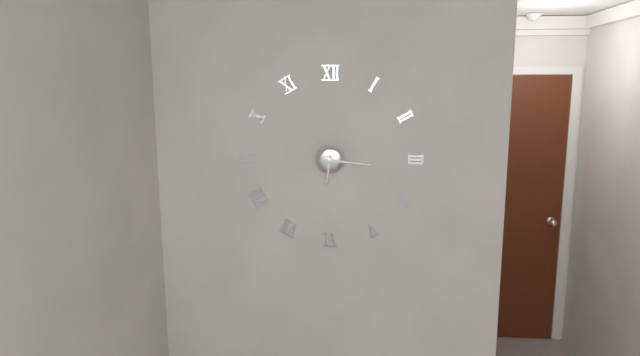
6:16
